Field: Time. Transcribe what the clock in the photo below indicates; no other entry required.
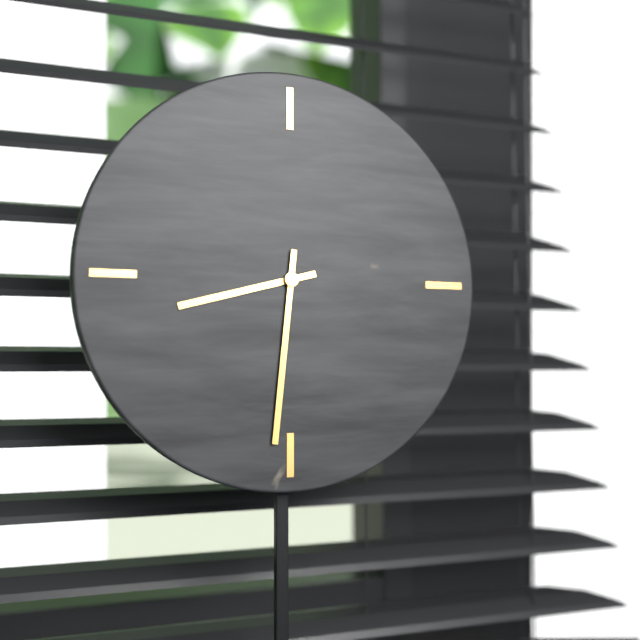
8:31
